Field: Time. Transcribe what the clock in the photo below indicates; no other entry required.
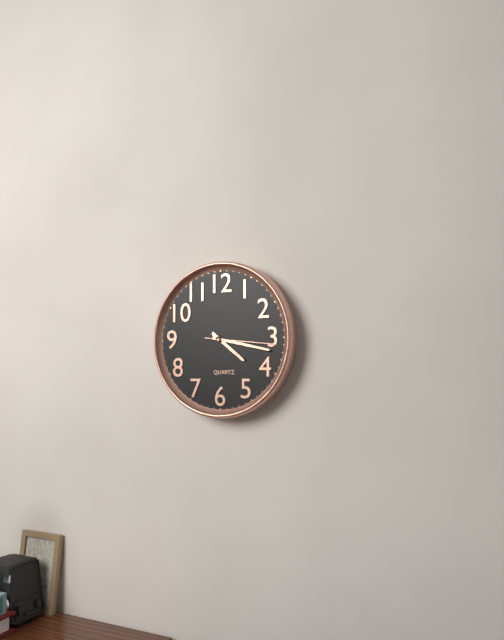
4:17:16
